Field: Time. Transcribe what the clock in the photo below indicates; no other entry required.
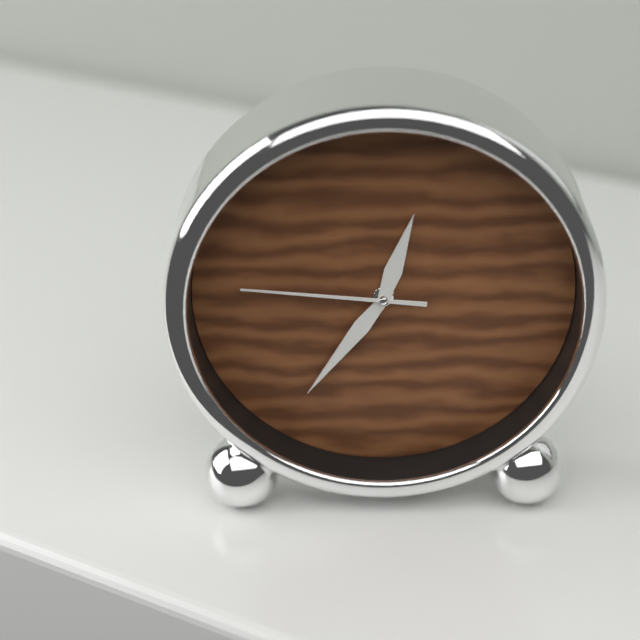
12:36:46
